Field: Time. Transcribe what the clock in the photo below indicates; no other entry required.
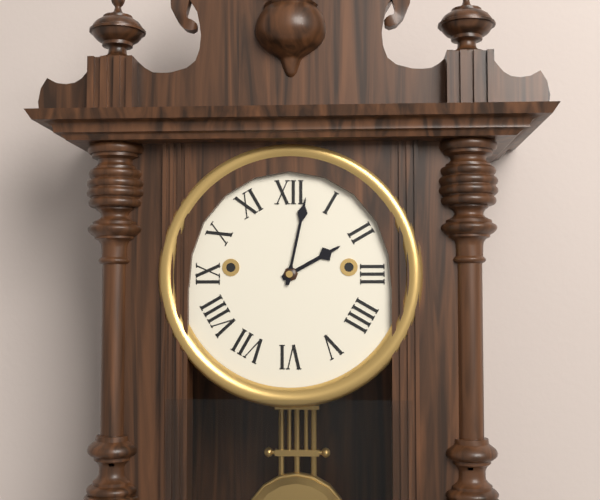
2:02
